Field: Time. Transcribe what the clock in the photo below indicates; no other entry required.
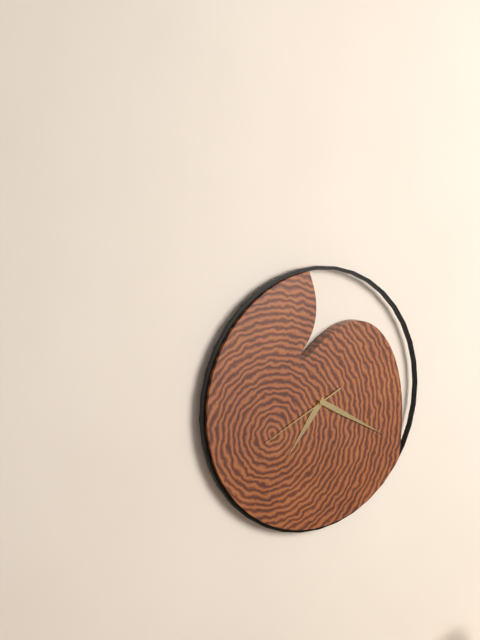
7:20:41
